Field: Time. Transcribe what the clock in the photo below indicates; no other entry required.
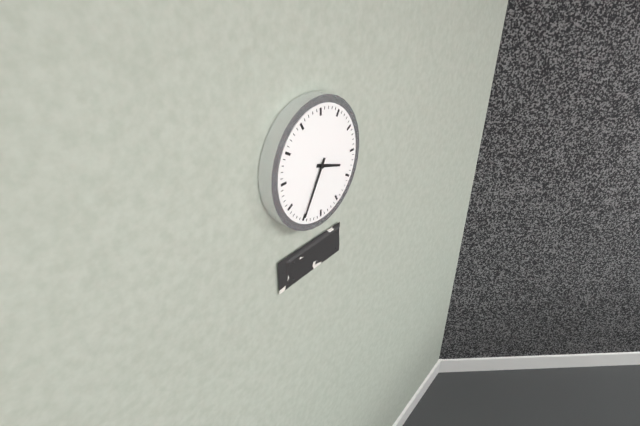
3:35
